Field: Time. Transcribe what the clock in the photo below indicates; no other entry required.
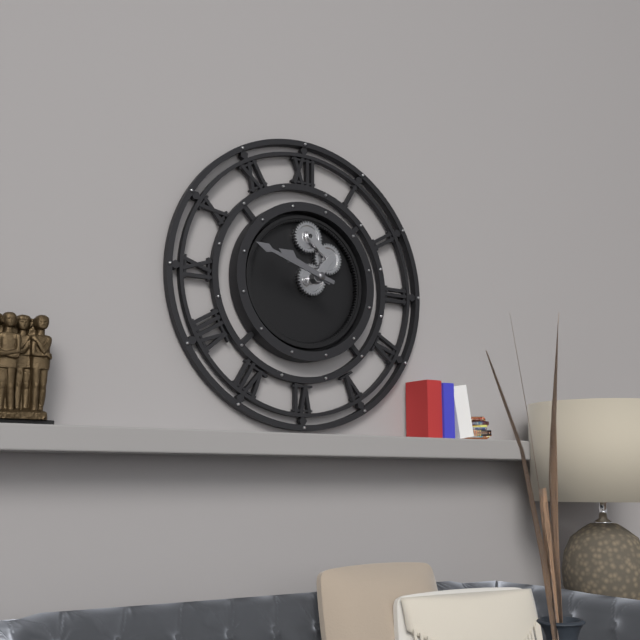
9:48
